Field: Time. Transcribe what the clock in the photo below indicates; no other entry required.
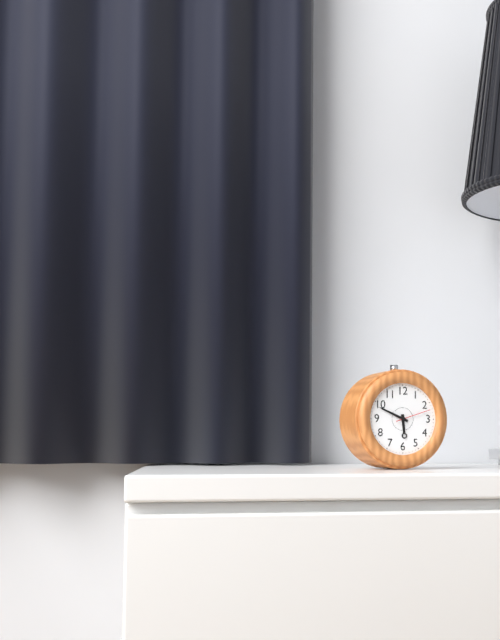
5:49
